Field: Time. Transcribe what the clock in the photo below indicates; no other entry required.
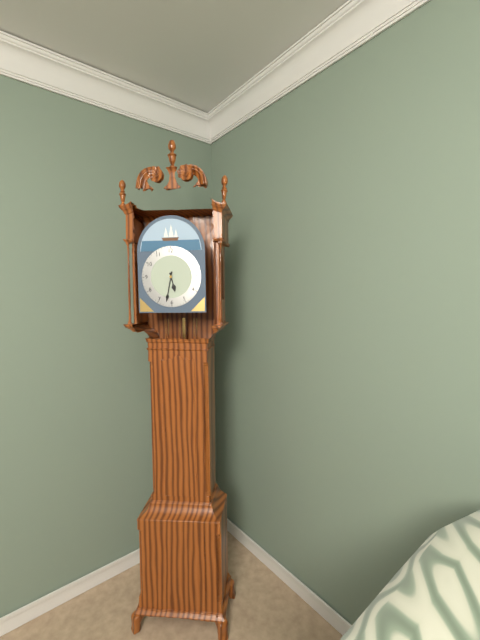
5:32
